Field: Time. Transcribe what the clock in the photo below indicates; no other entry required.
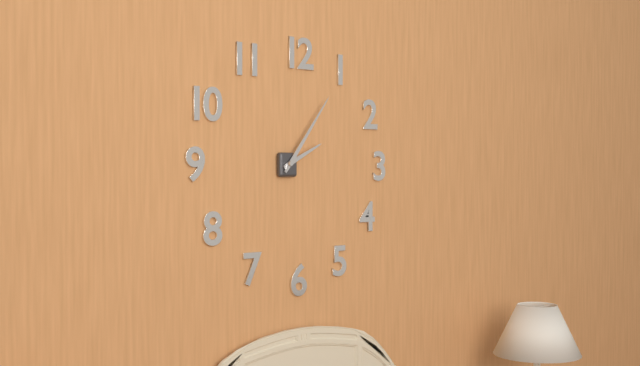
2:06
